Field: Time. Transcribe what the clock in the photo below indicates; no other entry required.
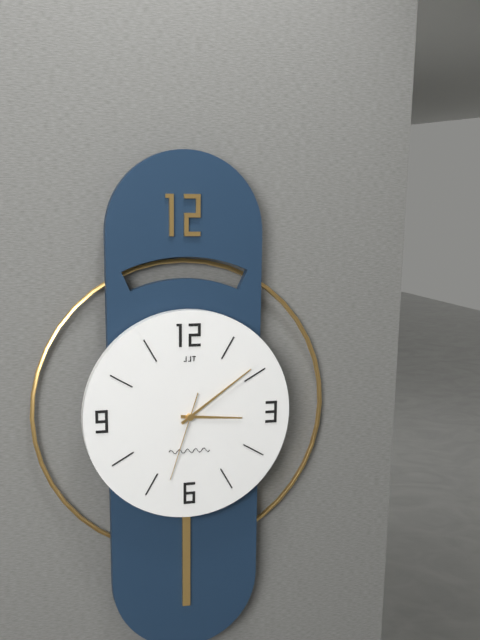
3:09:33
